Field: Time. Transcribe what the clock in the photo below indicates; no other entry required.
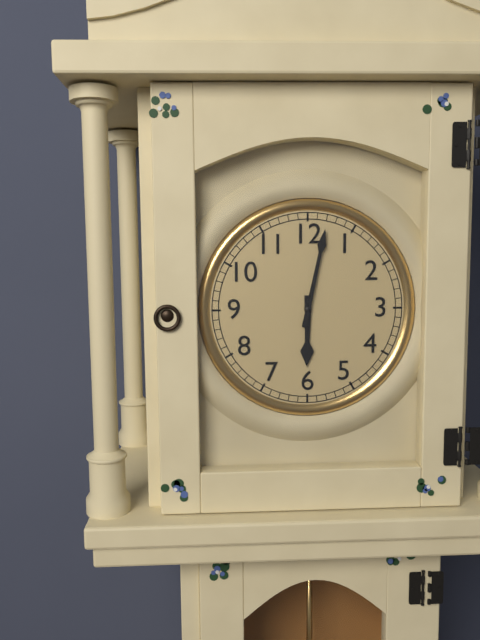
6:02
